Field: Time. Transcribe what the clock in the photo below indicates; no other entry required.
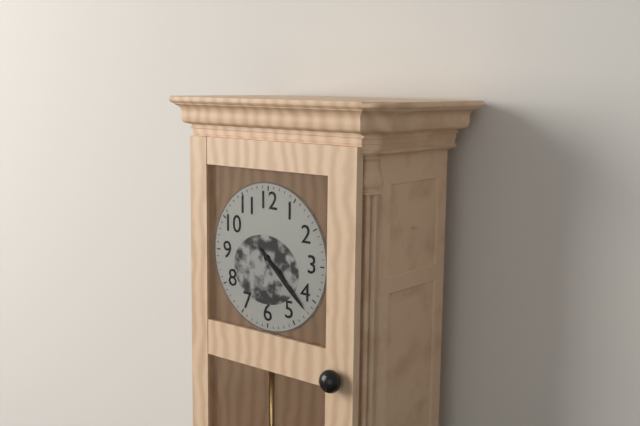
4:22
